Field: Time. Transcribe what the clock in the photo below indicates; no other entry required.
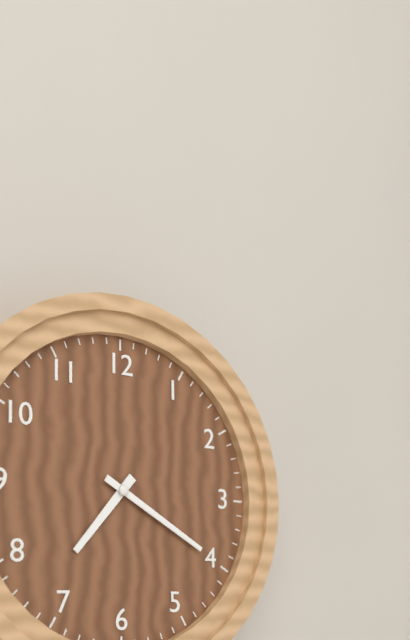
7:20
